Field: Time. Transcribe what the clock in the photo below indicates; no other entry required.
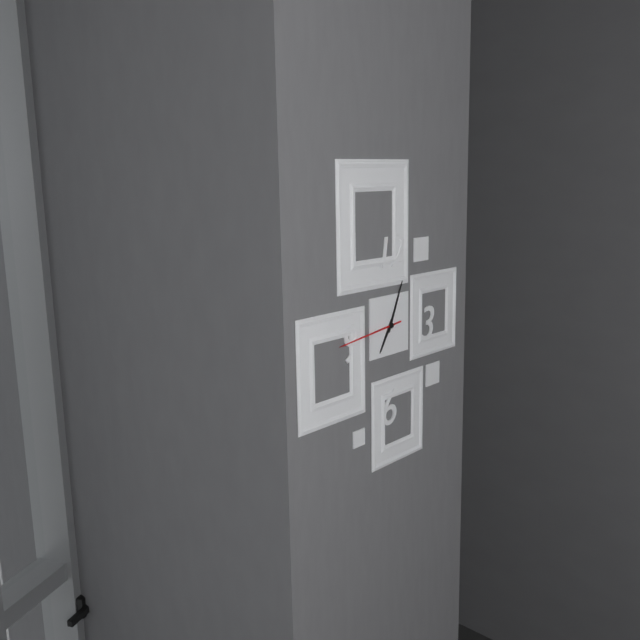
7:04:44
